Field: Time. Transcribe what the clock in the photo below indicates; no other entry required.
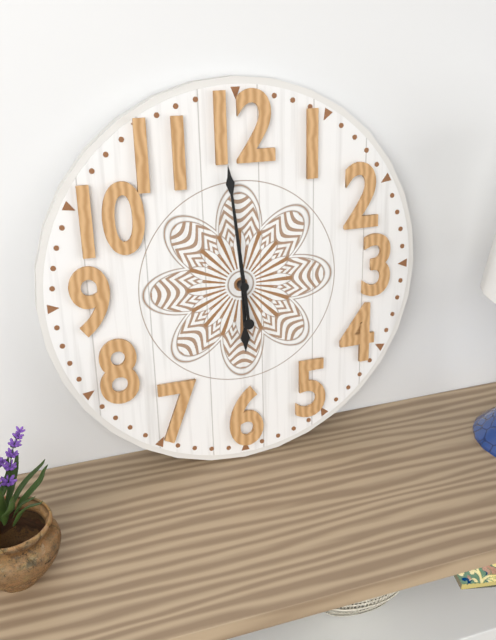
5:59
